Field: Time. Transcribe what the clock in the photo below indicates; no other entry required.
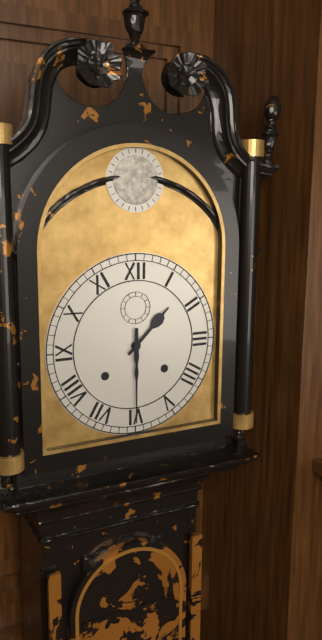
1:30
